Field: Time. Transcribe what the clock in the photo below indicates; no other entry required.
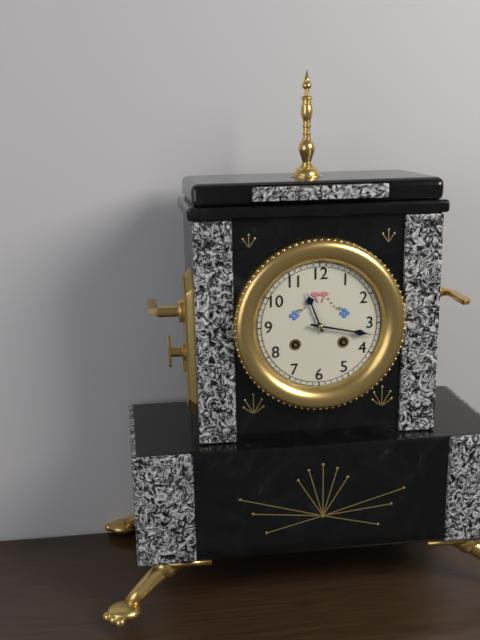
11:17
